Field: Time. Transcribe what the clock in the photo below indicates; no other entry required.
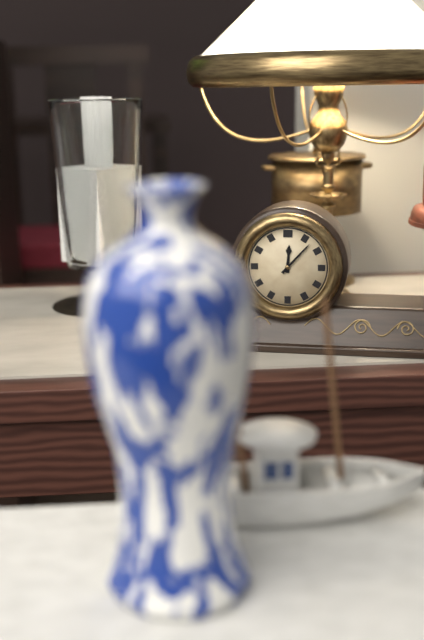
12:07
